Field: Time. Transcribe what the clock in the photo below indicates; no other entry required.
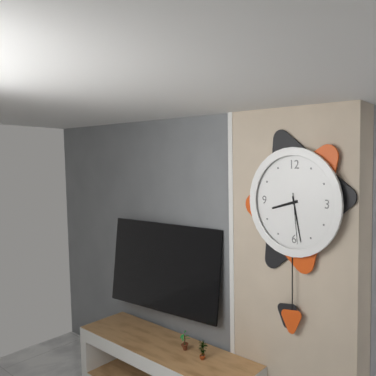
8:28:29
